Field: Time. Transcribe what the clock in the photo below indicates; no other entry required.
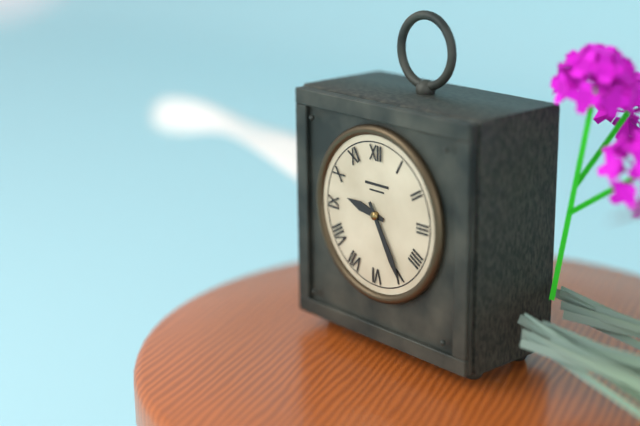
9:25
